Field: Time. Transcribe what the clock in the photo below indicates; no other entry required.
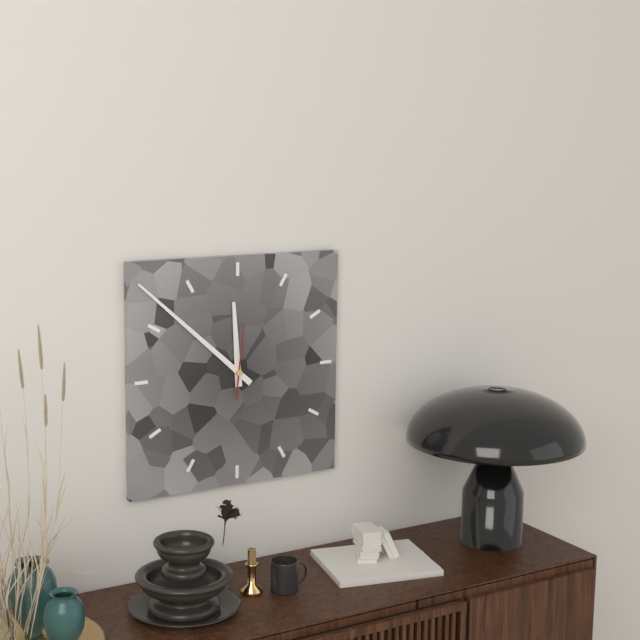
11:52:01
